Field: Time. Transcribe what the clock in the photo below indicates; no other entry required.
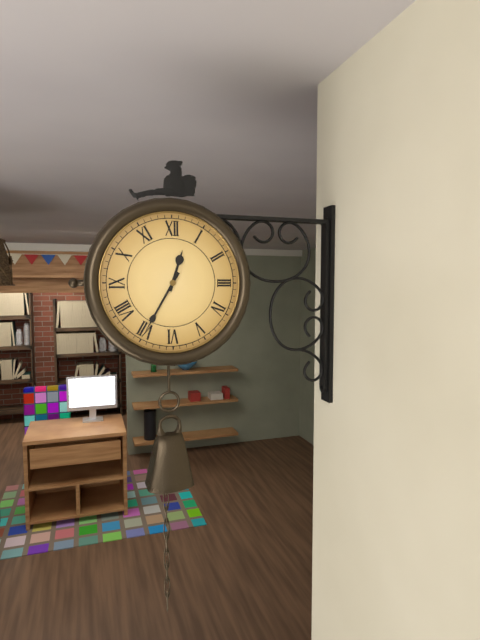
12:35
